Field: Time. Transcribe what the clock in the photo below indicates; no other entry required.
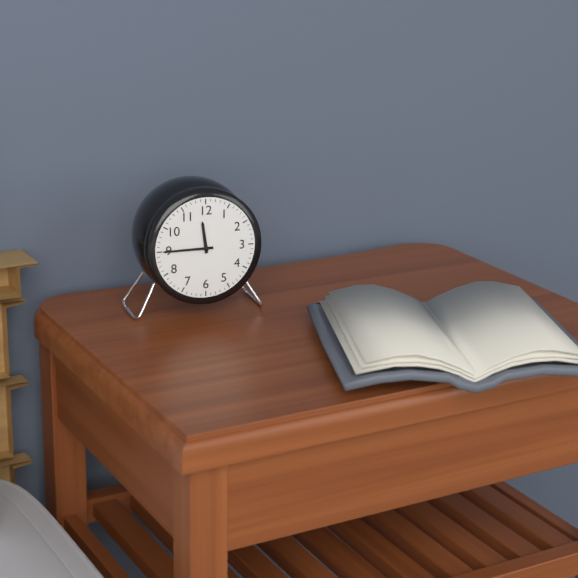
11:45
